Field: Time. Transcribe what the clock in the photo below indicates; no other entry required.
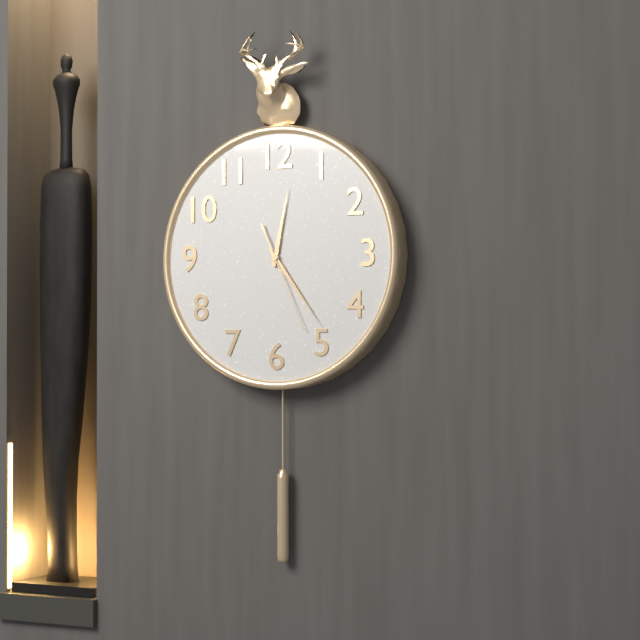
12:24:26
